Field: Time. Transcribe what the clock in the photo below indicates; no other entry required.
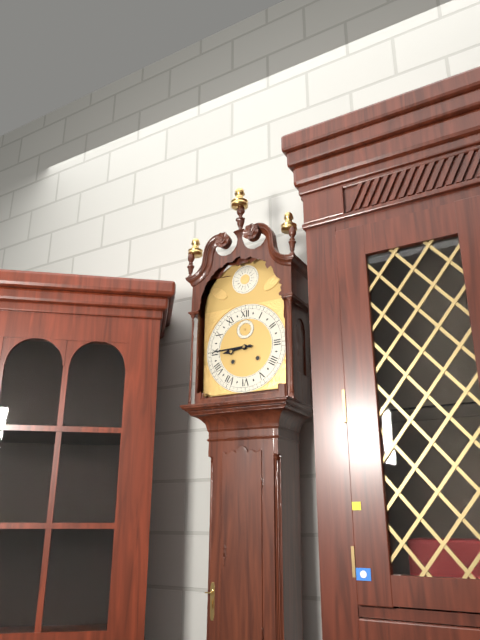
8:45
